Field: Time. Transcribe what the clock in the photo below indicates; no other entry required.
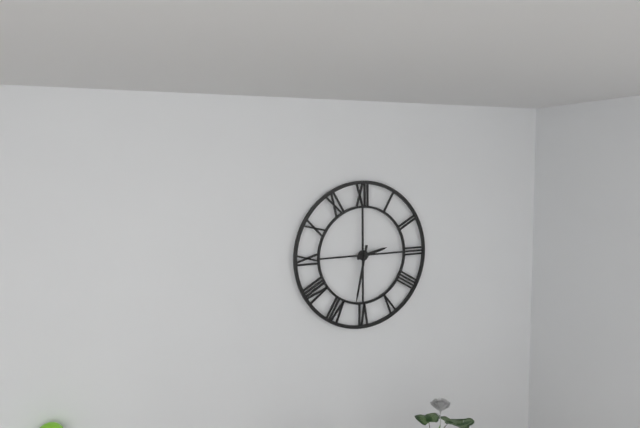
2:32
